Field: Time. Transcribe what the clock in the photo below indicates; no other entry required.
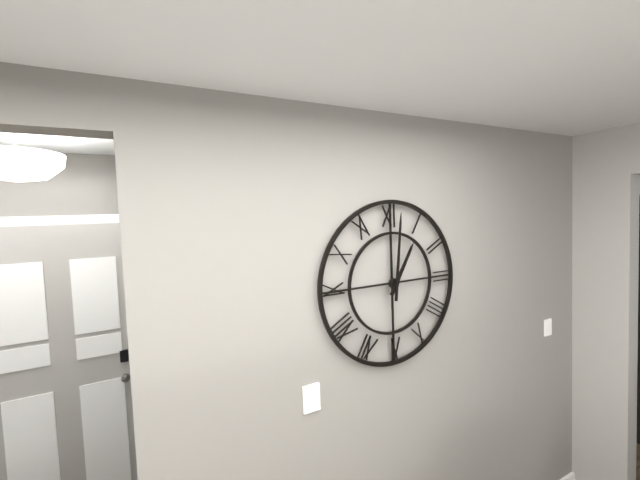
1:01
